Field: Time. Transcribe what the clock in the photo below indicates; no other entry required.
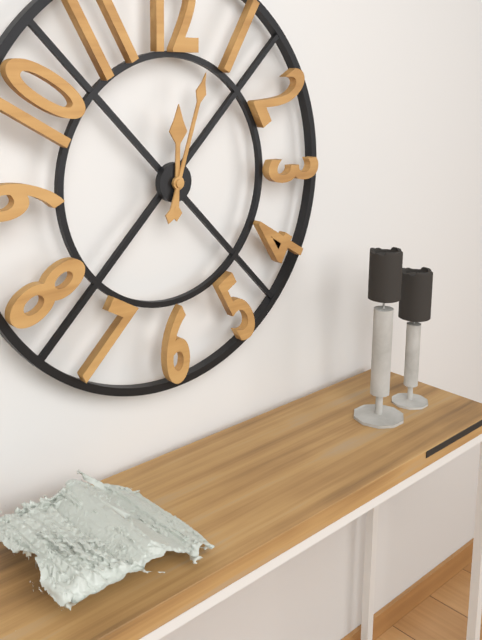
12:03
